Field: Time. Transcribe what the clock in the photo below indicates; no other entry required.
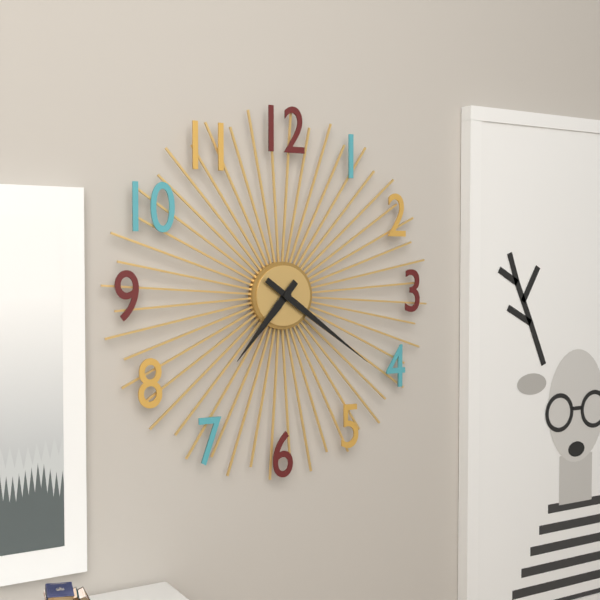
7:21
